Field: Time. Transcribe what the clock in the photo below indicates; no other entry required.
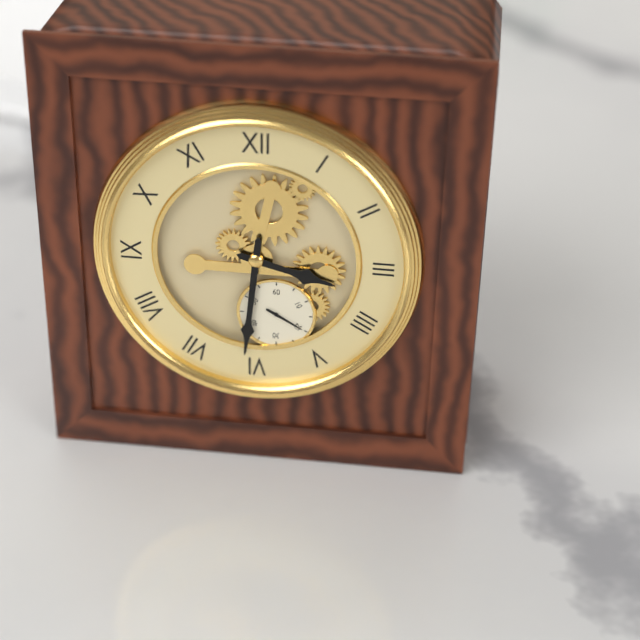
3:31
